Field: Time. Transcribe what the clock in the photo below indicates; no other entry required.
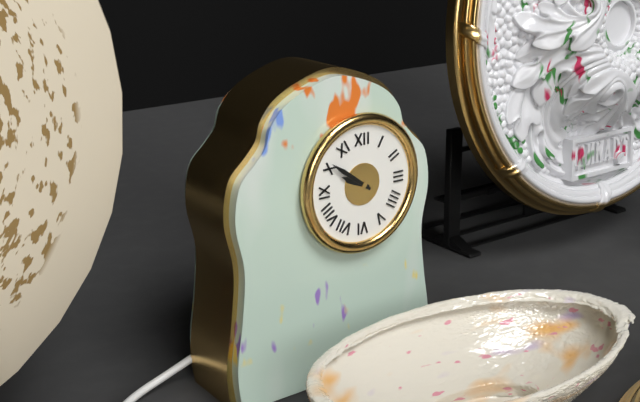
9:51
